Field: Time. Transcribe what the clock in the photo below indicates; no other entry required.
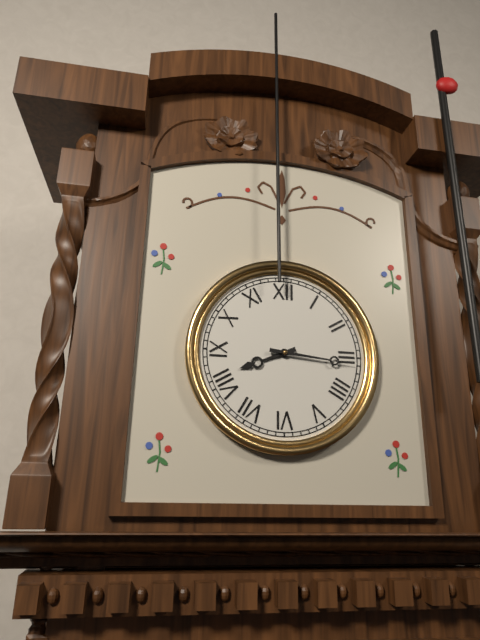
8:16
